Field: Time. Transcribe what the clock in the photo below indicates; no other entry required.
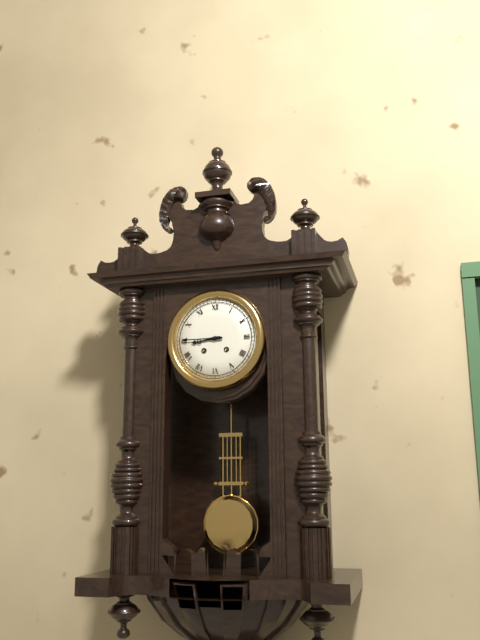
8:45
